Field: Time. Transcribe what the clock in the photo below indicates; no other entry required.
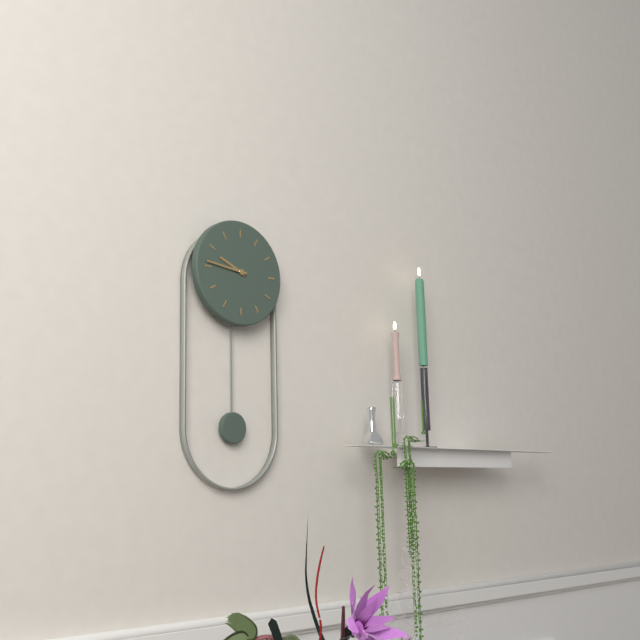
9:46
